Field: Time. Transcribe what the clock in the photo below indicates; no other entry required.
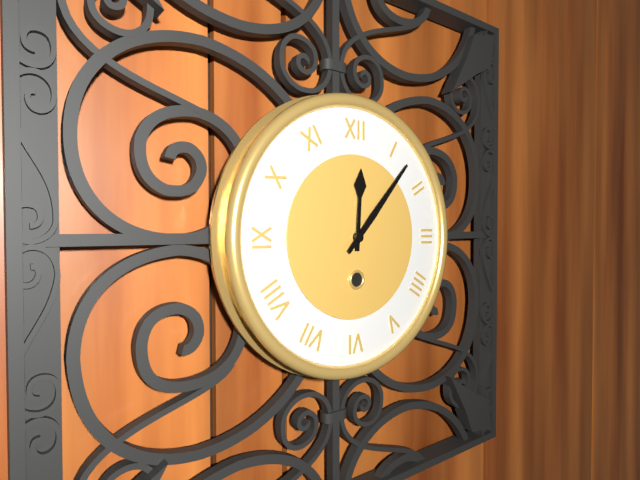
12:07
